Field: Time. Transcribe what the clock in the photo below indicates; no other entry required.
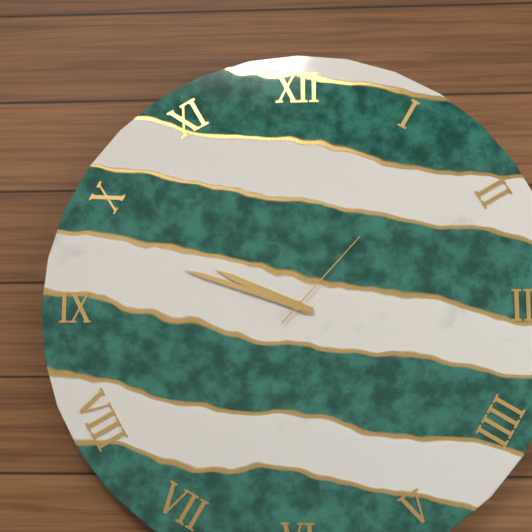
9:48:07
